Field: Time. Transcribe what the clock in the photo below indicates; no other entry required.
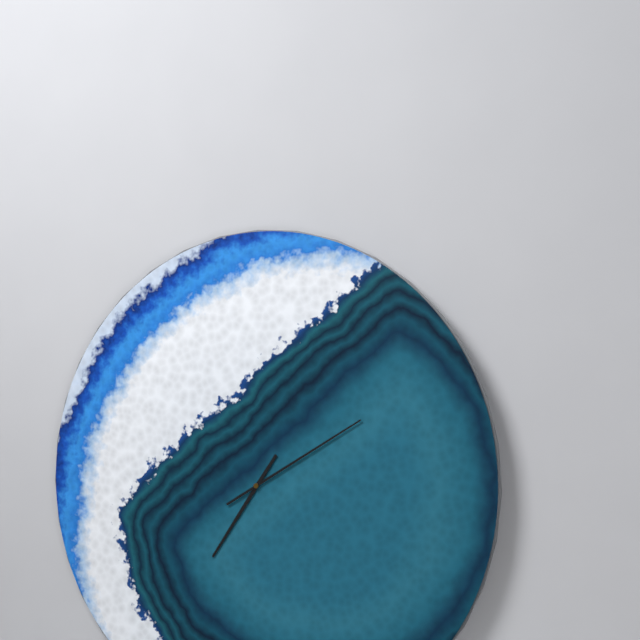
7:10
